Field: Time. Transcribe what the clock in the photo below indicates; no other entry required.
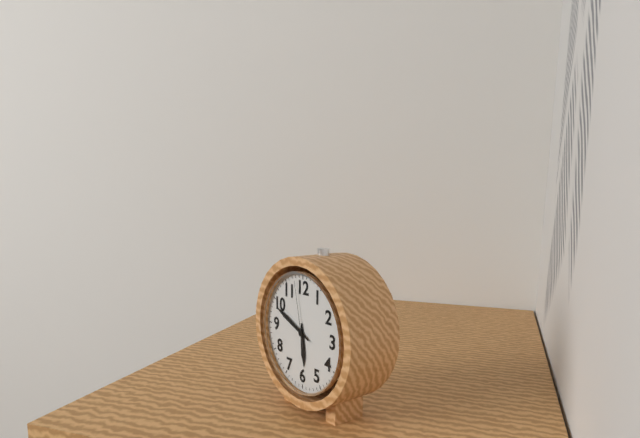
5:49:58
